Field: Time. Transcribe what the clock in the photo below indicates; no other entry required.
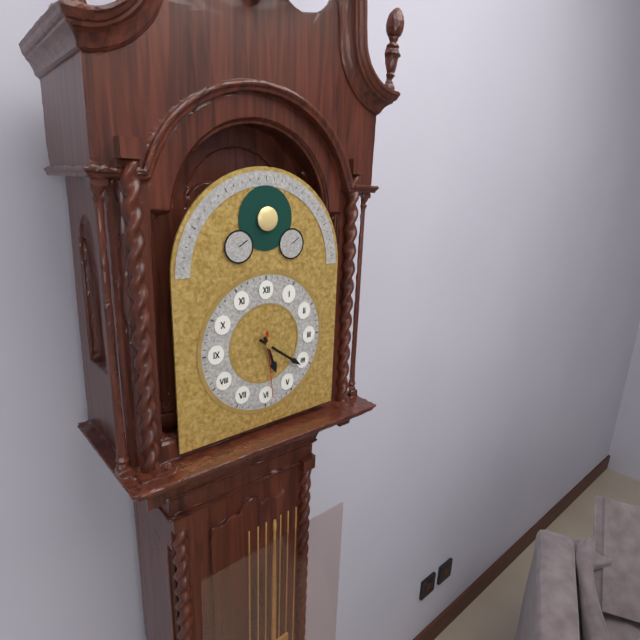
5:21:29
